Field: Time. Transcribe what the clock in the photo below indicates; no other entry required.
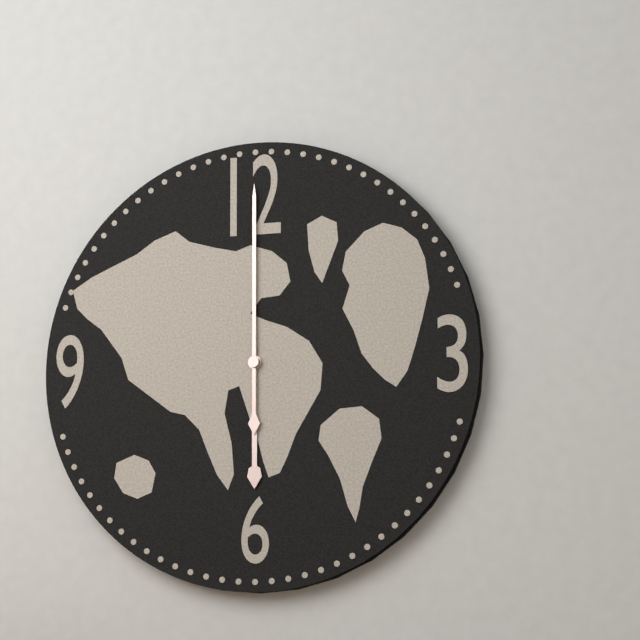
6:00
